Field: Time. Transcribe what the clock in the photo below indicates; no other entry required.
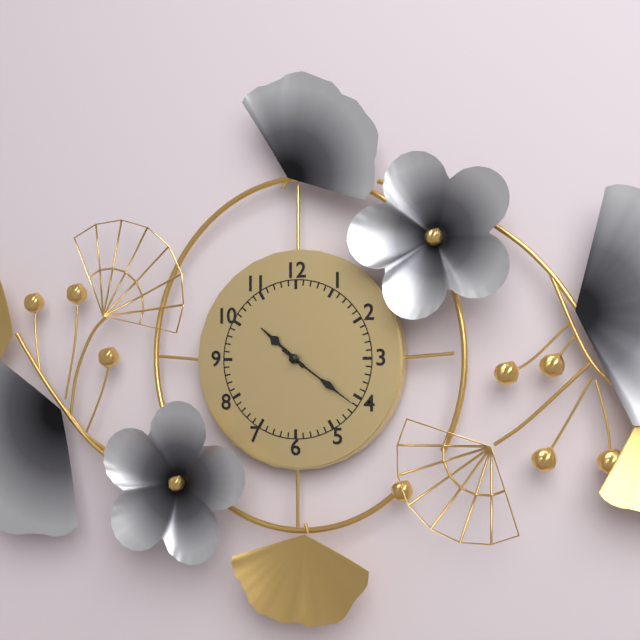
10:21
